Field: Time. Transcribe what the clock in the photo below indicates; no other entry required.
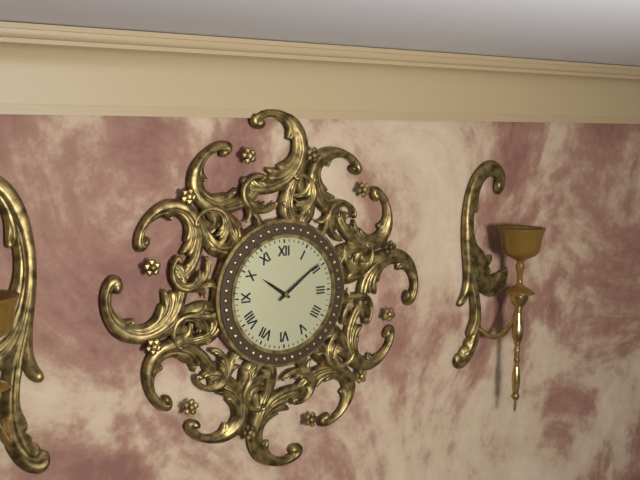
10:09
